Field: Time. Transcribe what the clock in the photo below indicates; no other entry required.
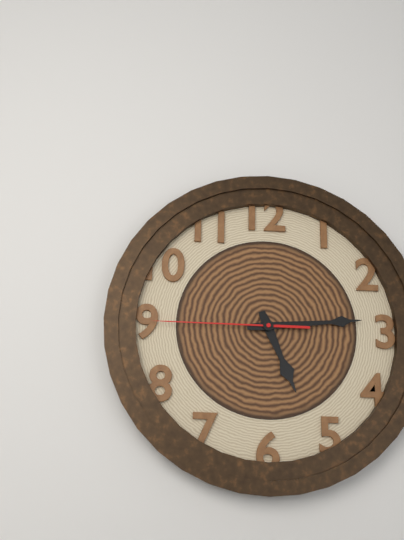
5:14:45
